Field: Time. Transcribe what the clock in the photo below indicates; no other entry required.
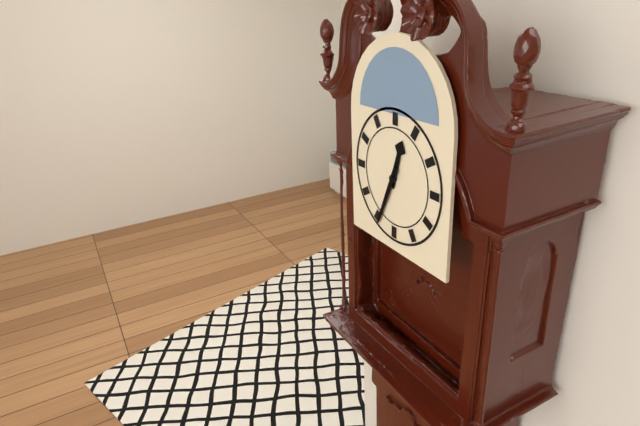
12:34
